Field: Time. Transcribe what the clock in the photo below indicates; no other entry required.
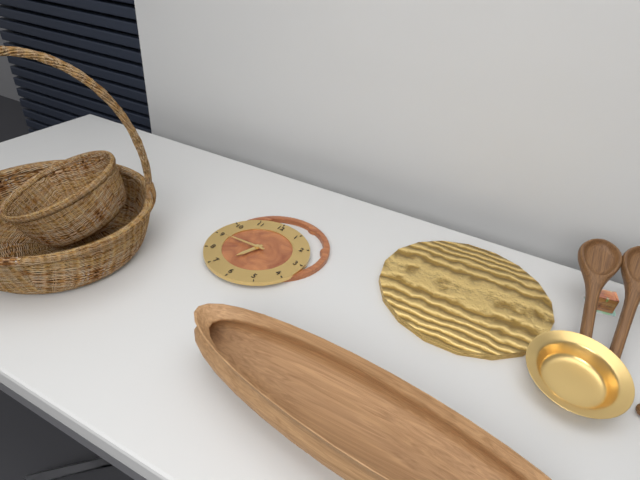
6:45
